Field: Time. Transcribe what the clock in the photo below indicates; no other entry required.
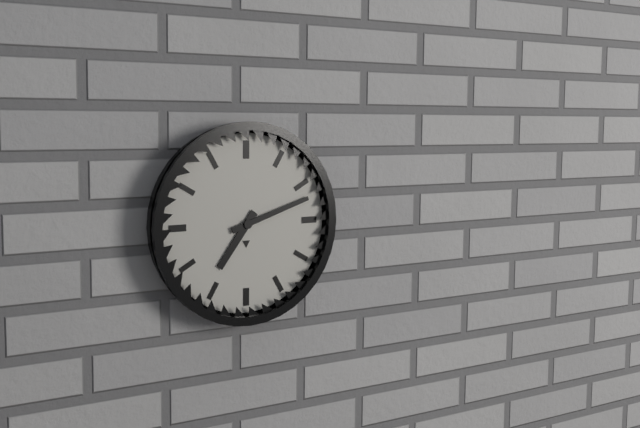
7:12
